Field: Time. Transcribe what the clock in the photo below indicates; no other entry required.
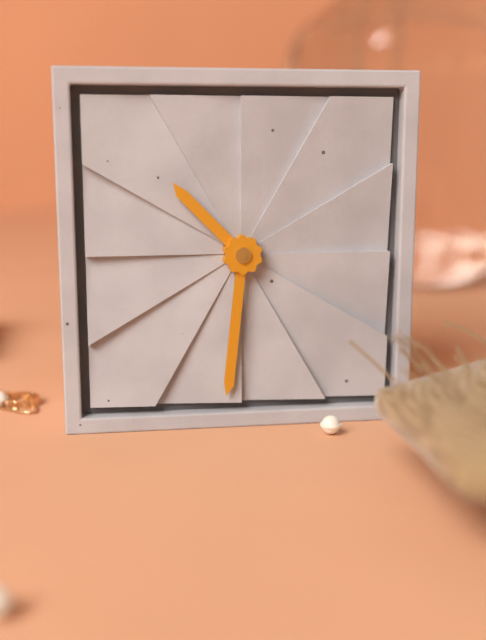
10:31
